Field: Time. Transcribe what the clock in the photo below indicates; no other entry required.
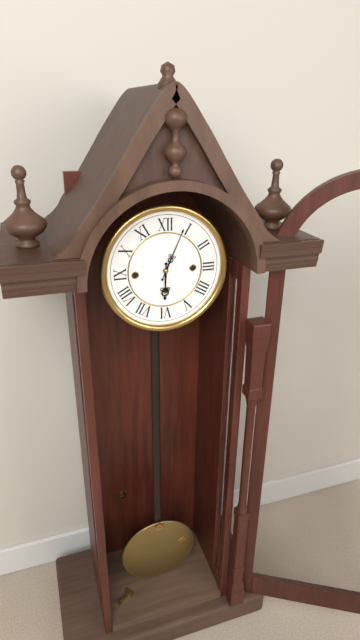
6:04
